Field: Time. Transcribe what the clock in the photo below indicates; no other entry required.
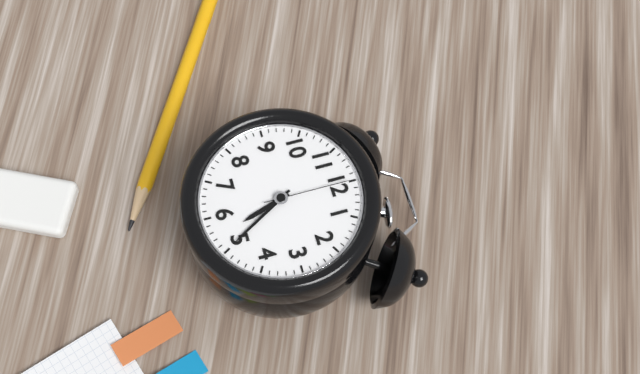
5:25:00
